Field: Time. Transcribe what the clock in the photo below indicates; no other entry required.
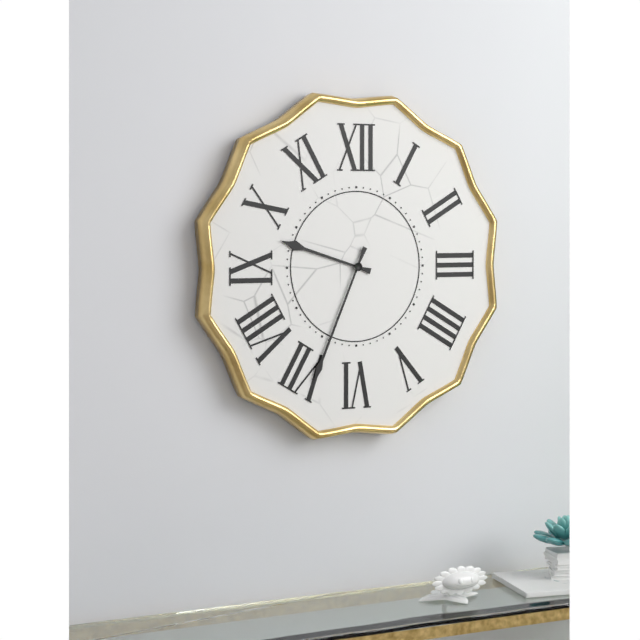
9:34
